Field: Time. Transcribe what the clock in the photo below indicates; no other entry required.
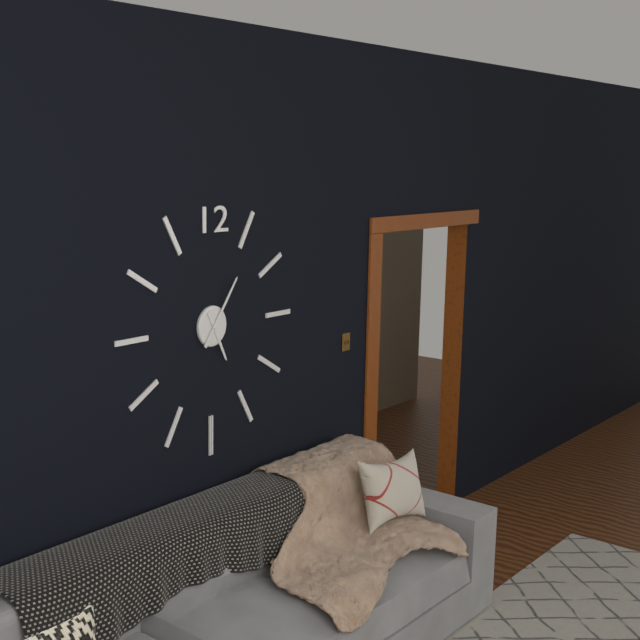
5:06
